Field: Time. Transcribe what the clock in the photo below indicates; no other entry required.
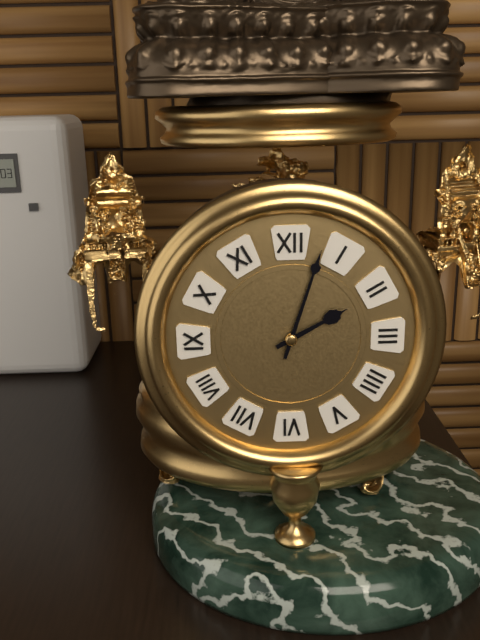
2:03
